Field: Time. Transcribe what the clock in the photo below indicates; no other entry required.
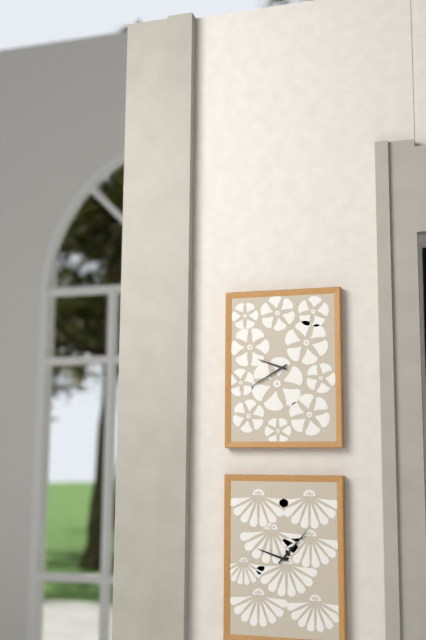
9:40
